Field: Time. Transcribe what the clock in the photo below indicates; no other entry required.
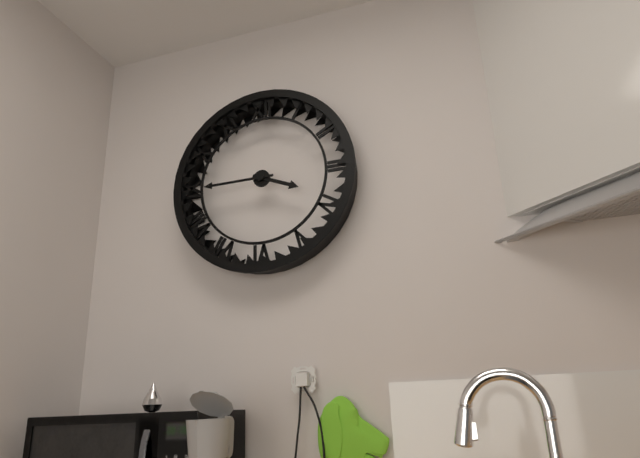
3:45
